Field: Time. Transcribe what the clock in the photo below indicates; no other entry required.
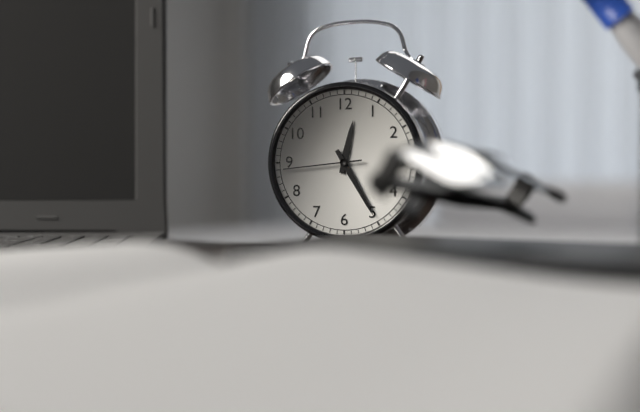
12:25:44
